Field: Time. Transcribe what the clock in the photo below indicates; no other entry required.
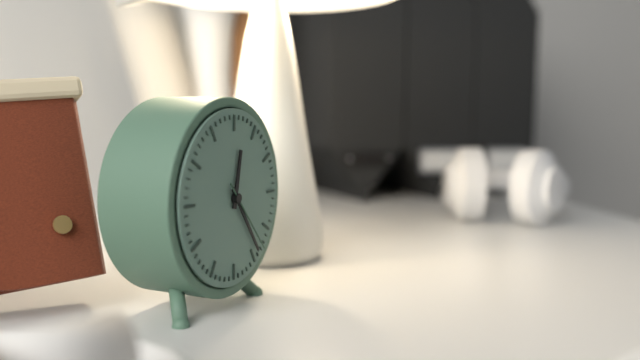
12:24:23
